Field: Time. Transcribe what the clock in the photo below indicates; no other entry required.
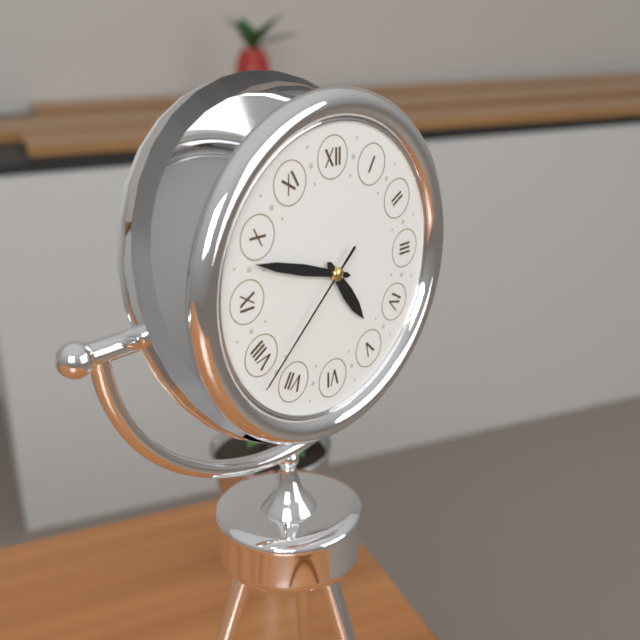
4:48:38
